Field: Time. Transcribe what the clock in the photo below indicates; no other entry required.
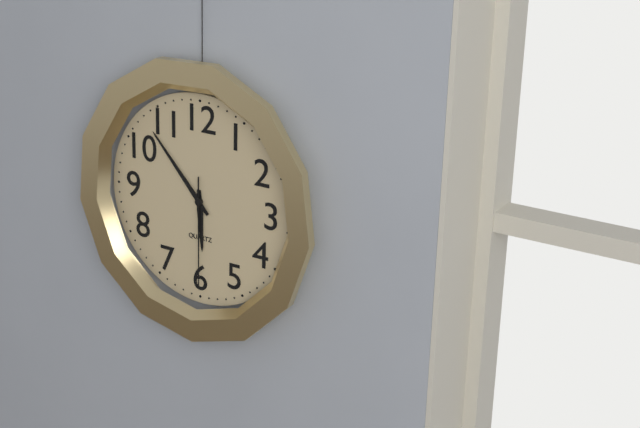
5:53:30
